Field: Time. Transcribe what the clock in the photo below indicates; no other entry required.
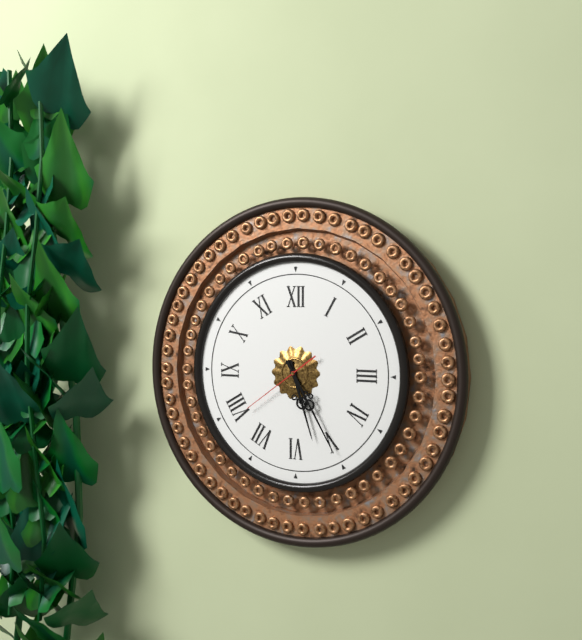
5:25:39
